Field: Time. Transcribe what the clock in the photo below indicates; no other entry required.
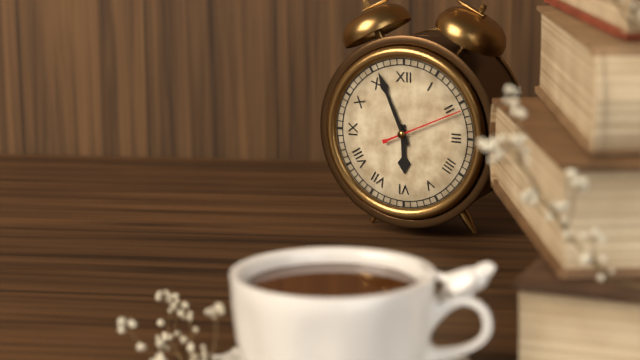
5:56:11
